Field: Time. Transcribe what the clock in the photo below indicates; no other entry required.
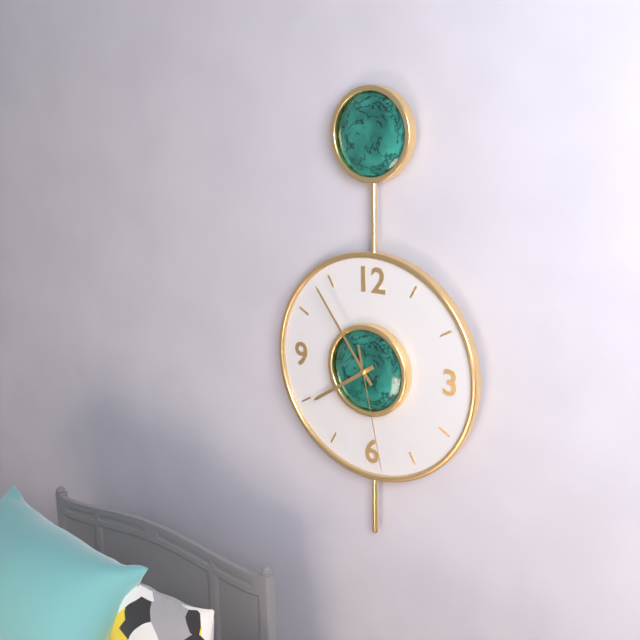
7:54:28
